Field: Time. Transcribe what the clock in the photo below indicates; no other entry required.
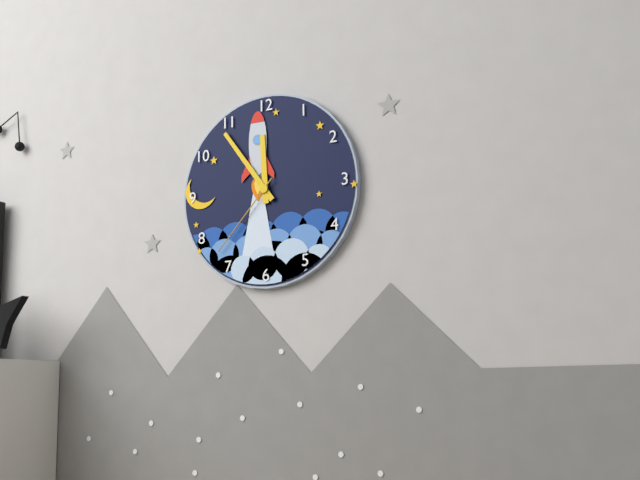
11:54:37
